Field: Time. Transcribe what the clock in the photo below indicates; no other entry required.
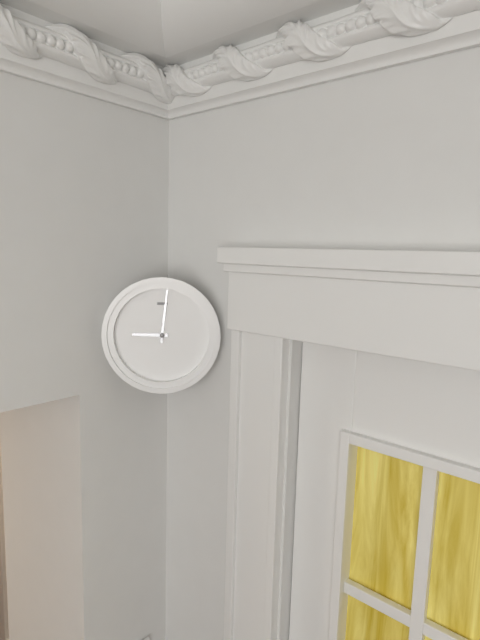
9:01
